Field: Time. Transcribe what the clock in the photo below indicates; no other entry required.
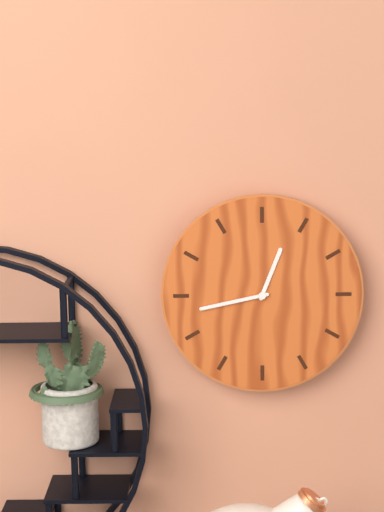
12:43
